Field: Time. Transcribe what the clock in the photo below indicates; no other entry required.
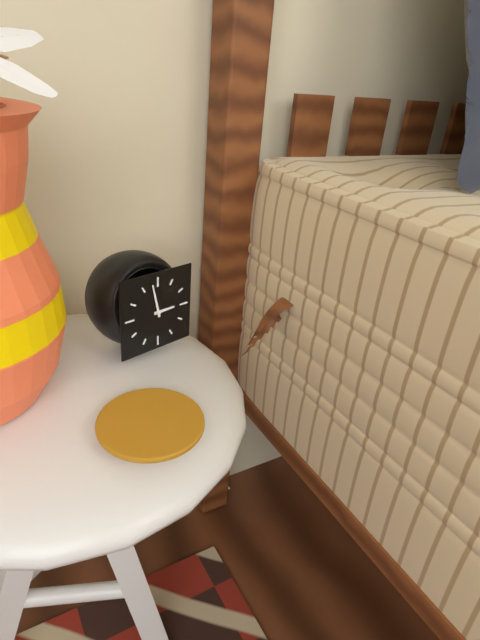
2:58
